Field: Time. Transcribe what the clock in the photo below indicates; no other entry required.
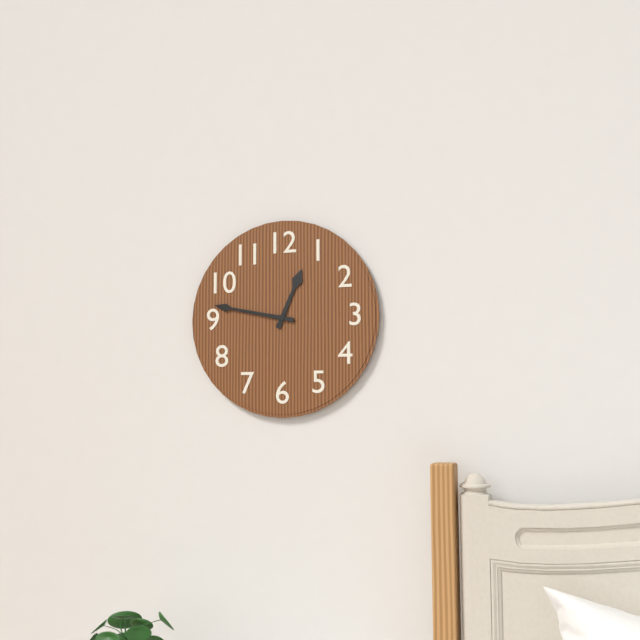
12:47
